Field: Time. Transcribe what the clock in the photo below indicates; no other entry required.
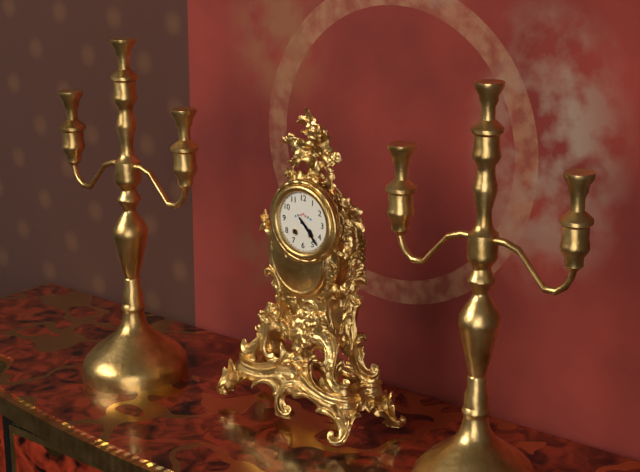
4:23
